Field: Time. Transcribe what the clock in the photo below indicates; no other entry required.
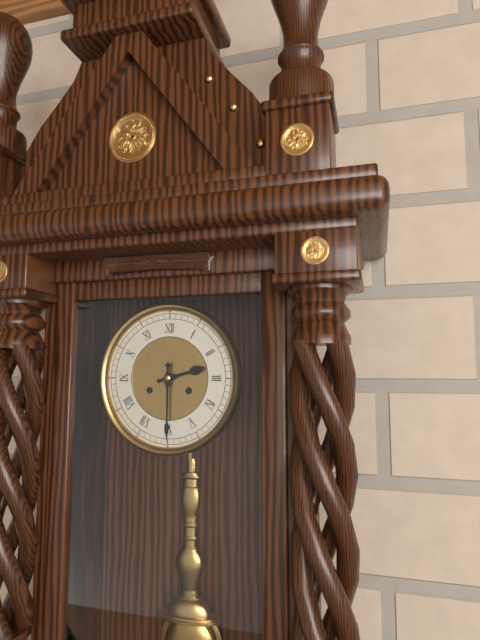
2:30
